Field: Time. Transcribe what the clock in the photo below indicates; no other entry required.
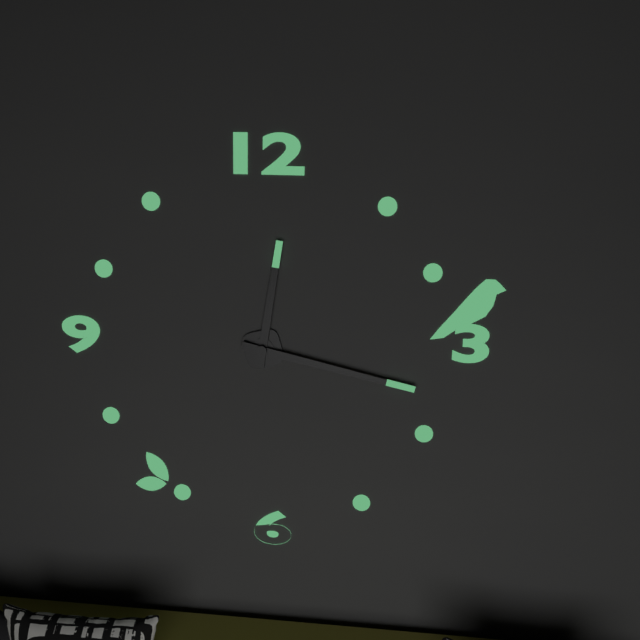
12:17
